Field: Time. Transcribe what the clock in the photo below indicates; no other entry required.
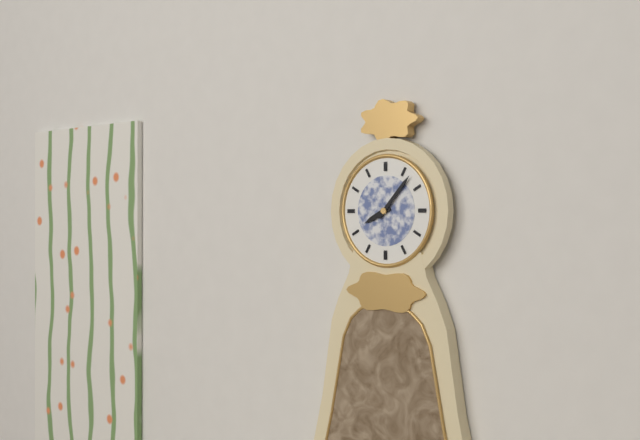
8:07
